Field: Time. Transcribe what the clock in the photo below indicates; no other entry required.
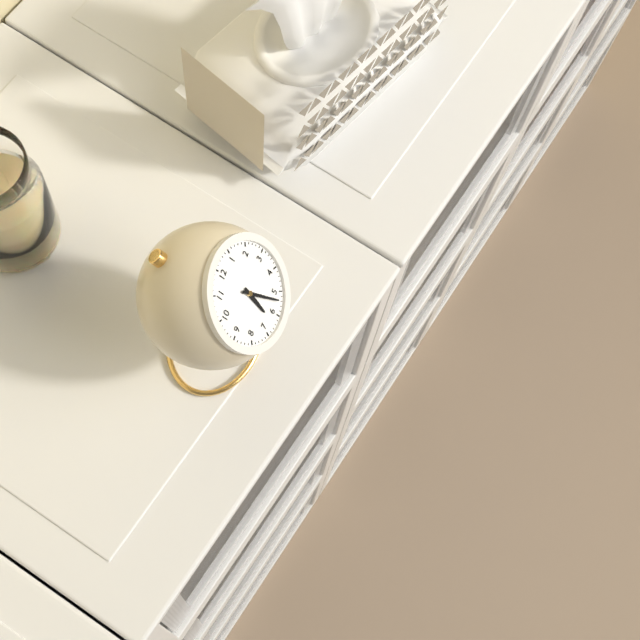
6:27
